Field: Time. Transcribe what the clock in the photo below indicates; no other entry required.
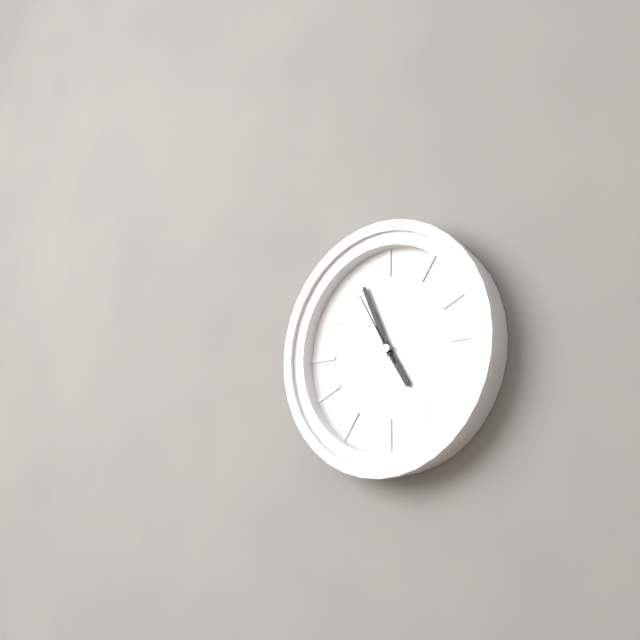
4:56:55
